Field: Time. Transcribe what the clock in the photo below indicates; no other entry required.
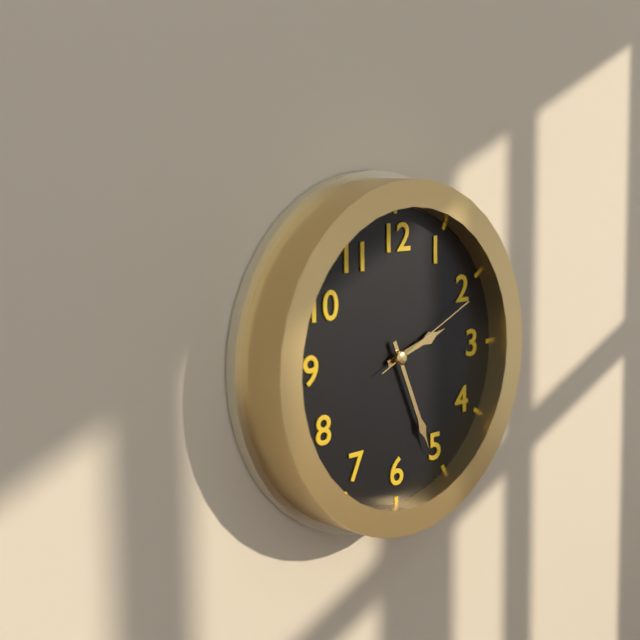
2:26:11
